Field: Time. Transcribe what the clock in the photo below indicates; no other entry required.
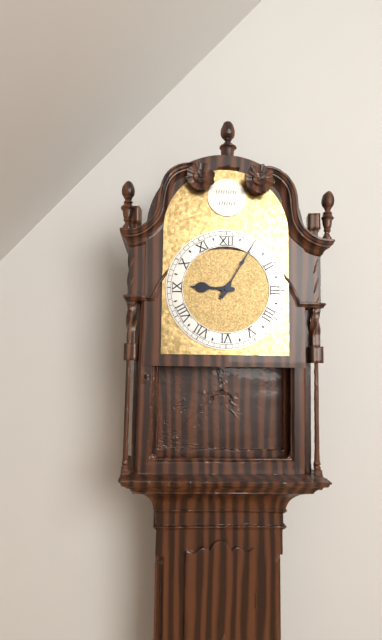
9:05
